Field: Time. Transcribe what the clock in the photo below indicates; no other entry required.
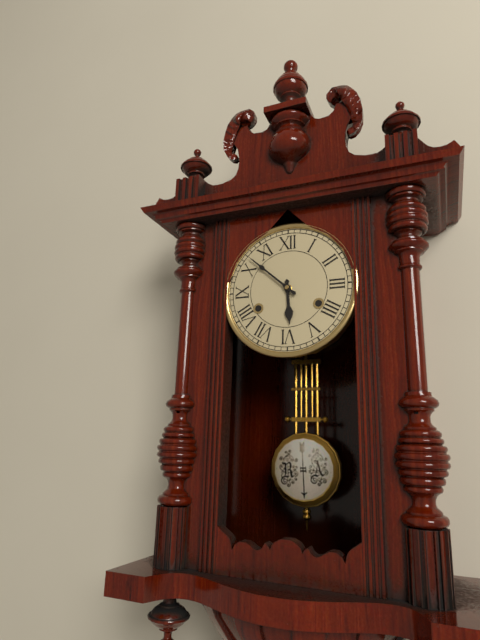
5:52
